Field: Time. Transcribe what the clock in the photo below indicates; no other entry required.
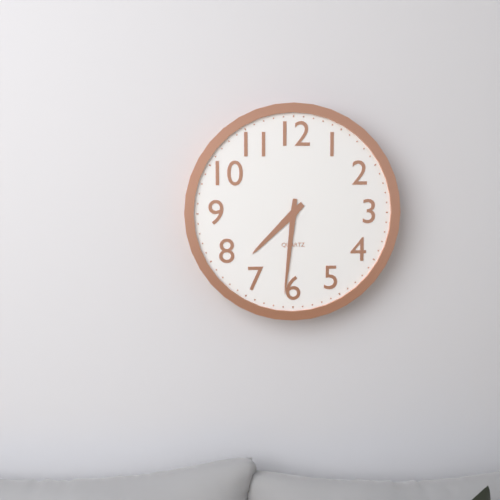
7:31
